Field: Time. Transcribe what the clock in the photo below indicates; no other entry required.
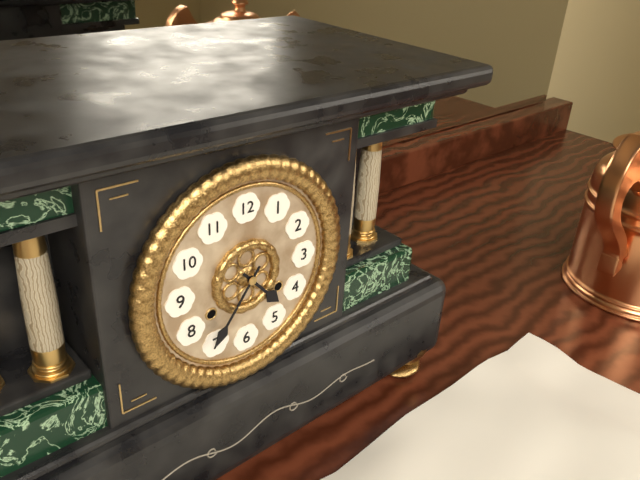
4:36
